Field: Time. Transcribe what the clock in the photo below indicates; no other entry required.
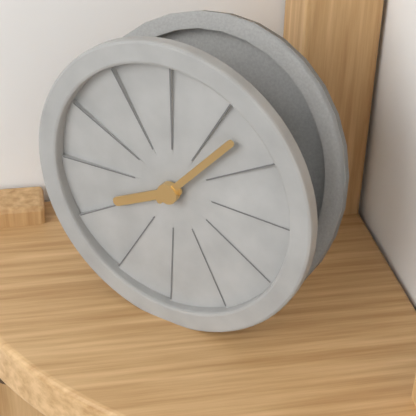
8:07
